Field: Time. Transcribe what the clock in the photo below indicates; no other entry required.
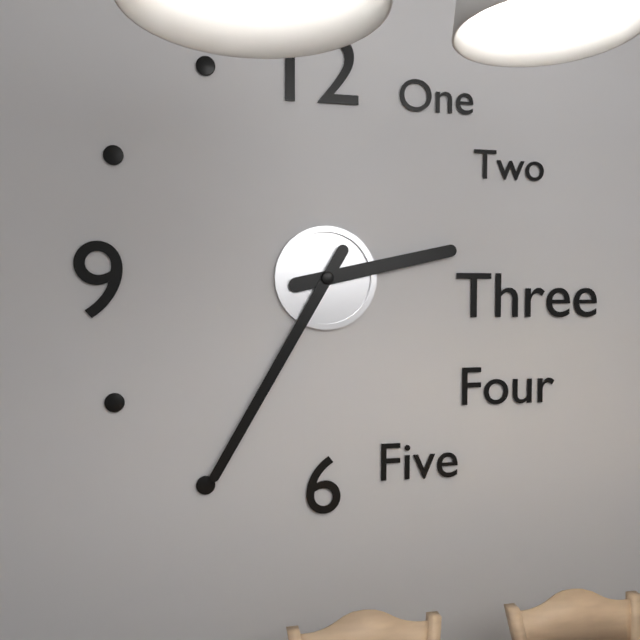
2:35
